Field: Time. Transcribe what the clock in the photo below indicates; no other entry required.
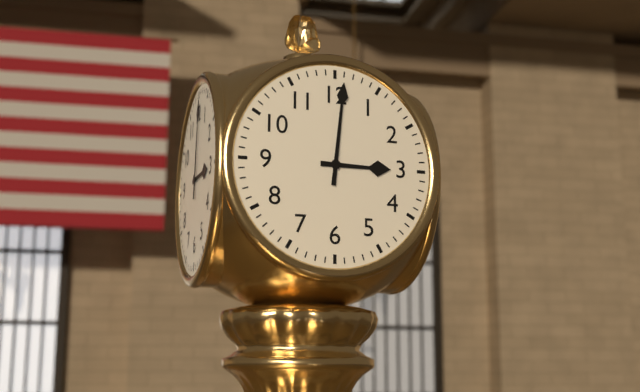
3:01
